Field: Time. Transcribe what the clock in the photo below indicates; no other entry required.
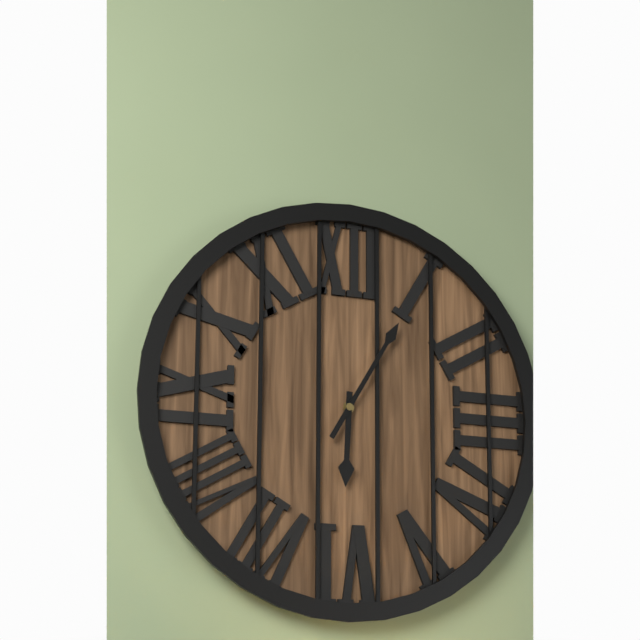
6:05
